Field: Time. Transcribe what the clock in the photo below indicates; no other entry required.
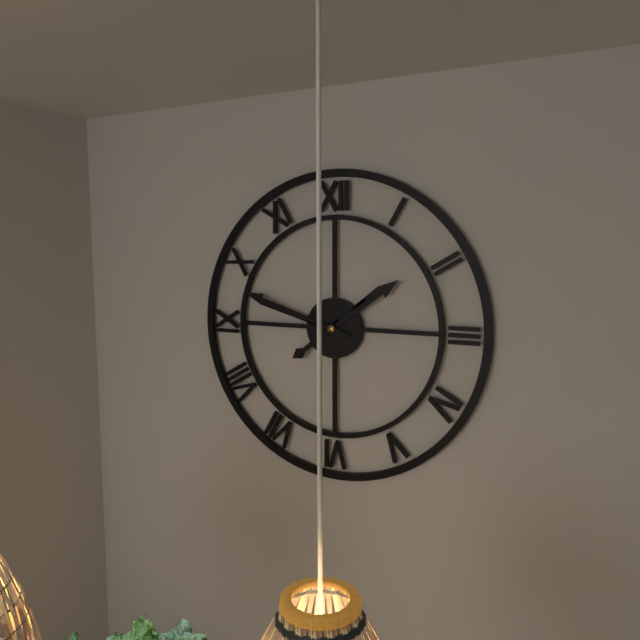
1:48
